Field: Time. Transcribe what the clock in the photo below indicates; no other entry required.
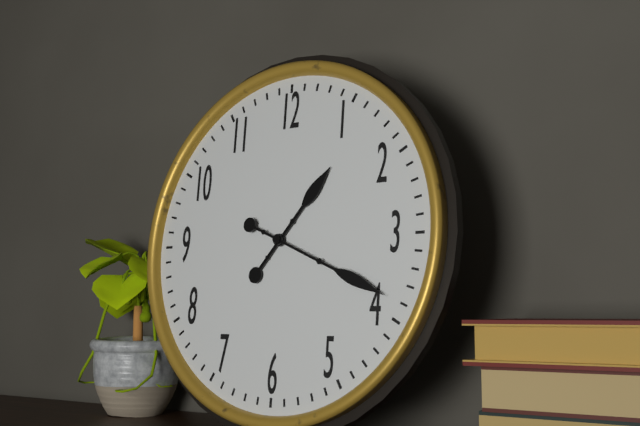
1:19
